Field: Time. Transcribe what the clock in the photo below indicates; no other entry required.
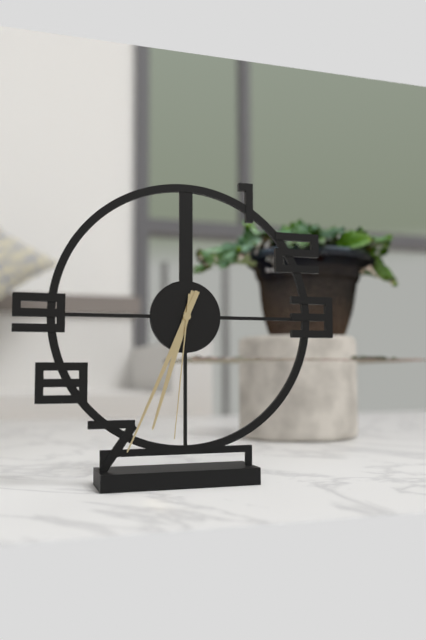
6:34:31
